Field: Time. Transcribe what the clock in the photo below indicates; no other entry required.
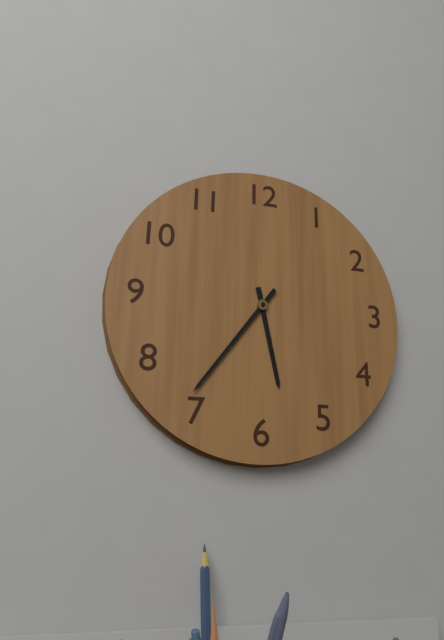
5:36
